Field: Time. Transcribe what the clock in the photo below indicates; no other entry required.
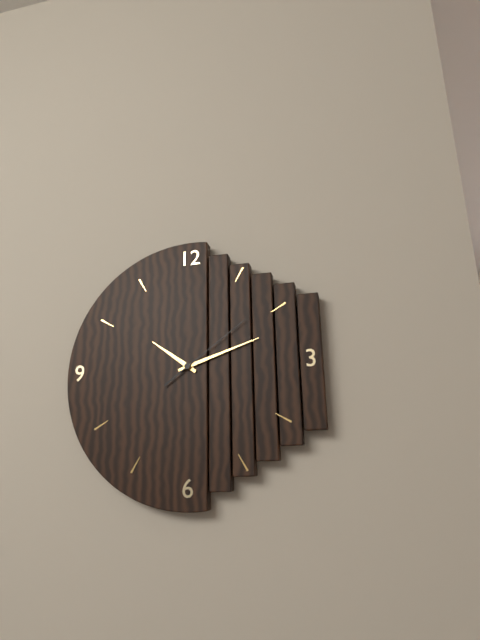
10:12:09
